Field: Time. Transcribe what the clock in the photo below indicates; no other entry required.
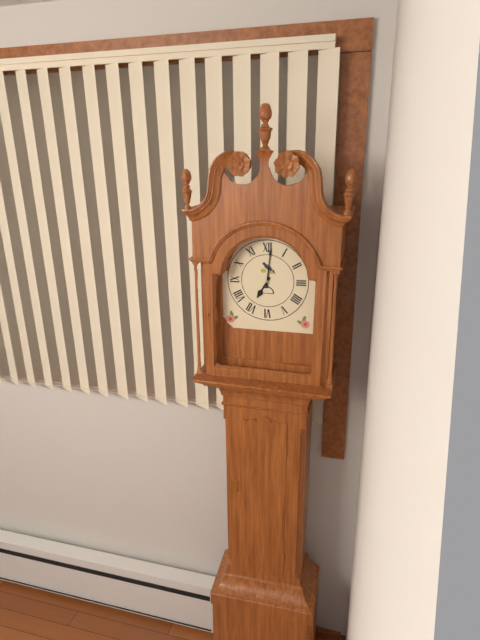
7:01
